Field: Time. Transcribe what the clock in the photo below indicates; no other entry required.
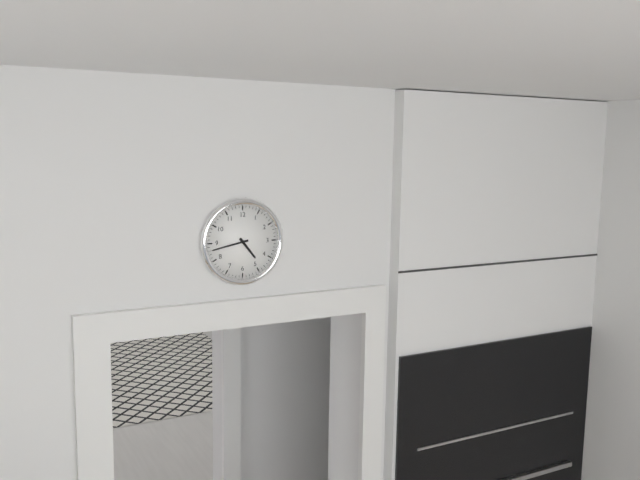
4:43
